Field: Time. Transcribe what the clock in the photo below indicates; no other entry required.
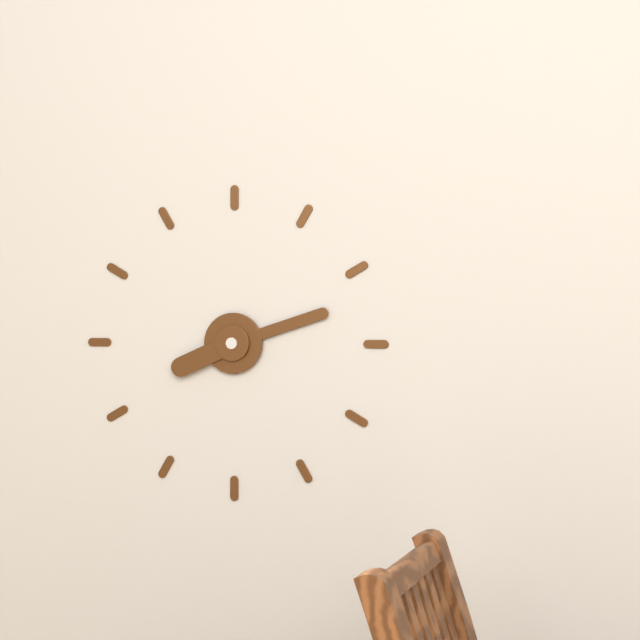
8:12
